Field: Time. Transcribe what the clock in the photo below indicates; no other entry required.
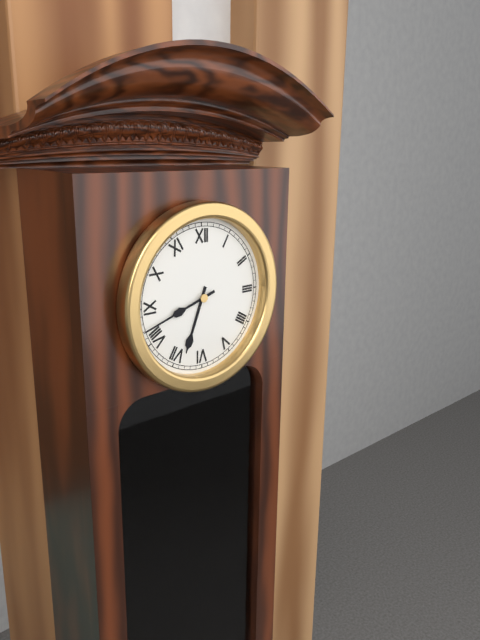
6:42
